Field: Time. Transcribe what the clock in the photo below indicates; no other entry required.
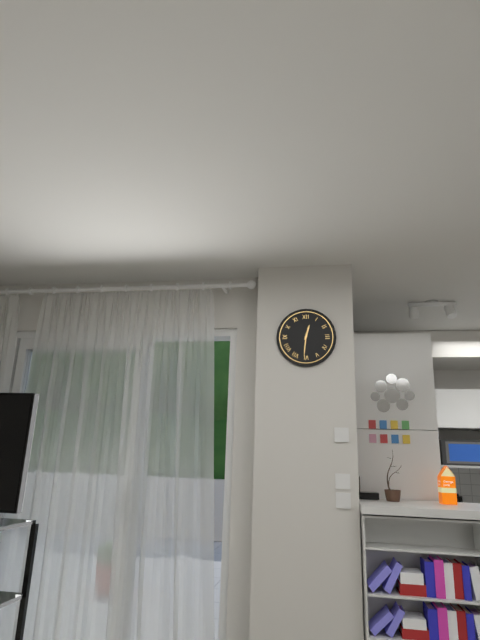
12:31
